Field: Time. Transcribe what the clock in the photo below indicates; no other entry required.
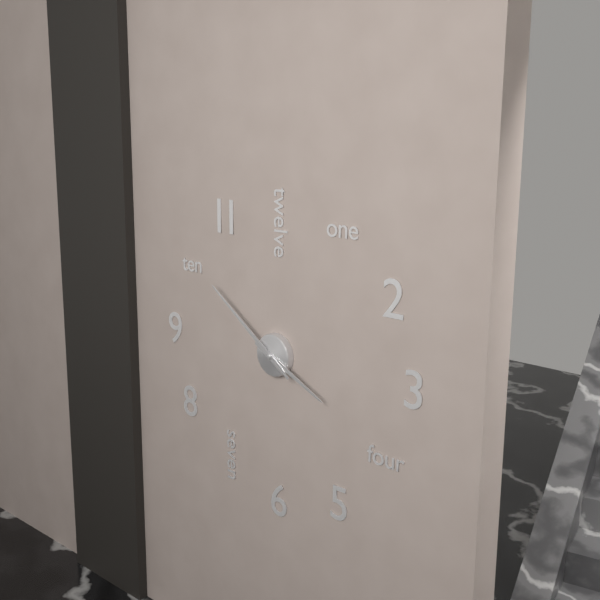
3:51
